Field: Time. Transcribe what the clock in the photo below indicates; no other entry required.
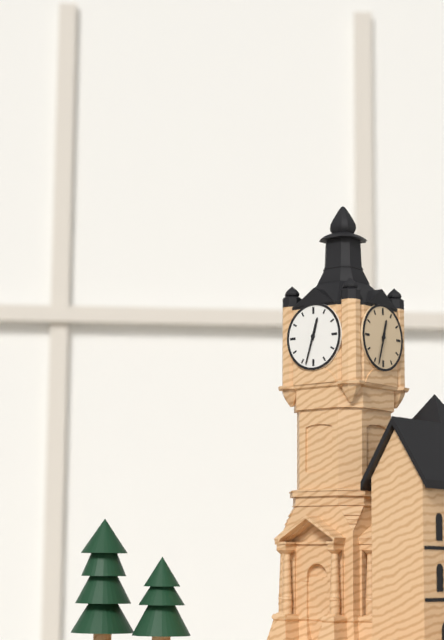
12:33
